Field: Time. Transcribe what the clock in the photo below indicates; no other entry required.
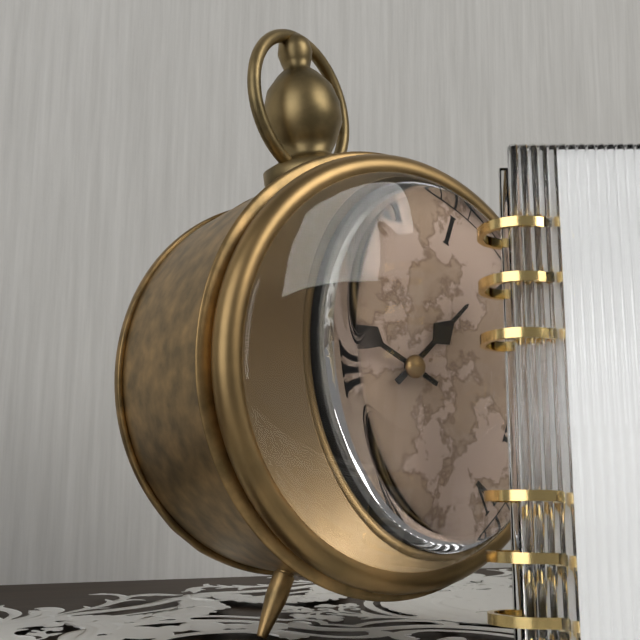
1:51
